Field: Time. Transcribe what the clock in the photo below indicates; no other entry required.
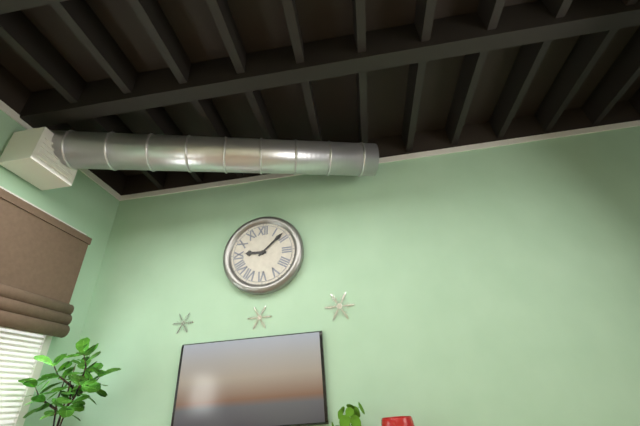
9:08
